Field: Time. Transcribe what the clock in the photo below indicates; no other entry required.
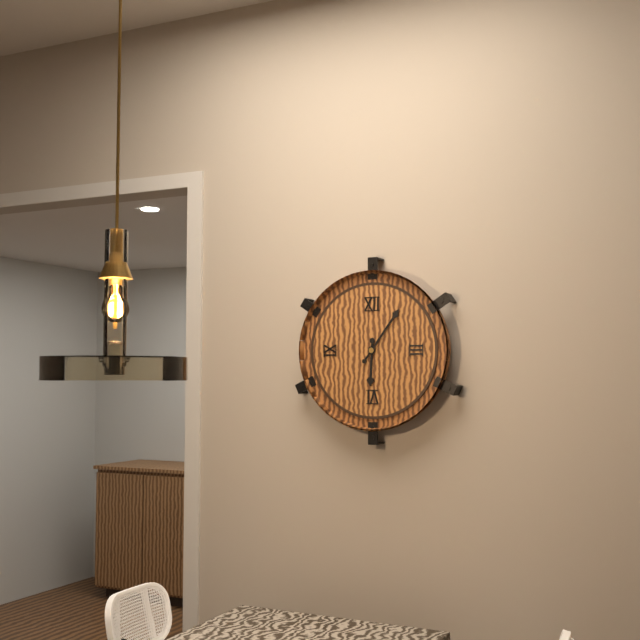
6:06
